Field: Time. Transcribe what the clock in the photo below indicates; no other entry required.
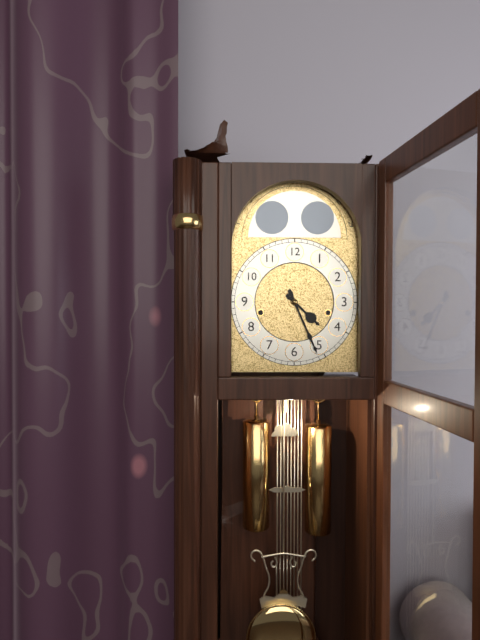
4:26
